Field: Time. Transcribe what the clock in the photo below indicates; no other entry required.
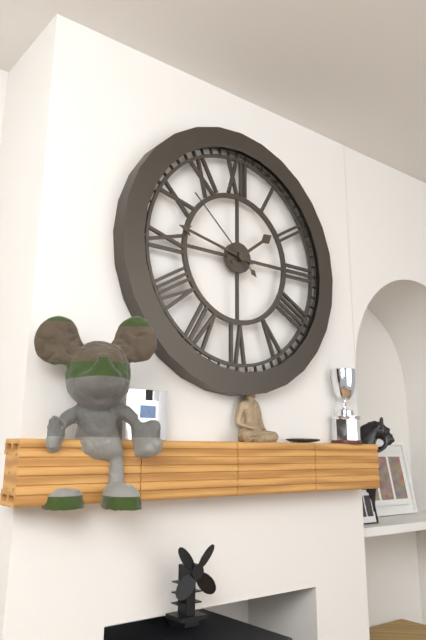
1:47:52
